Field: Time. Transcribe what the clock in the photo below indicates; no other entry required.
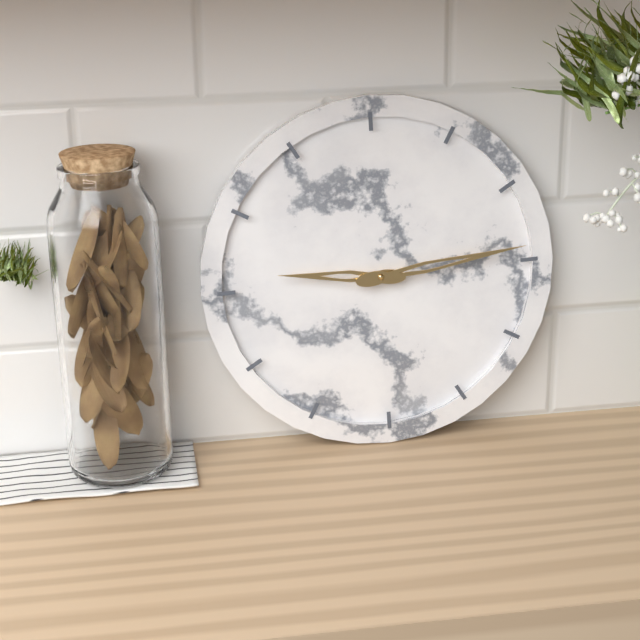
9:14
